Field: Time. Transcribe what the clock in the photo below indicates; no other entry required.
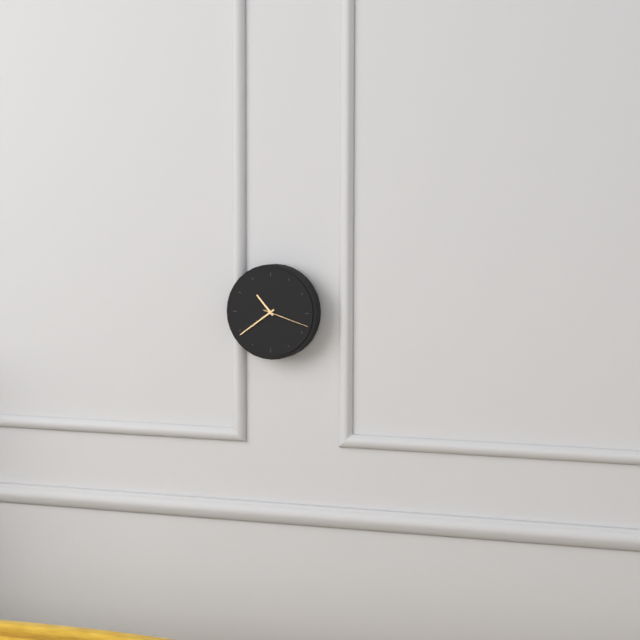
10:39:18
